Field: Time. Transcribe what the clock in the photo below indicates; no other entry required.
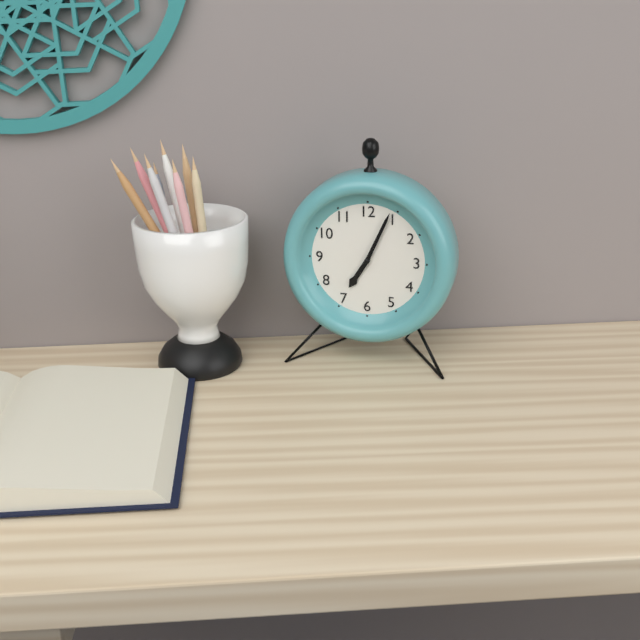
7:04
